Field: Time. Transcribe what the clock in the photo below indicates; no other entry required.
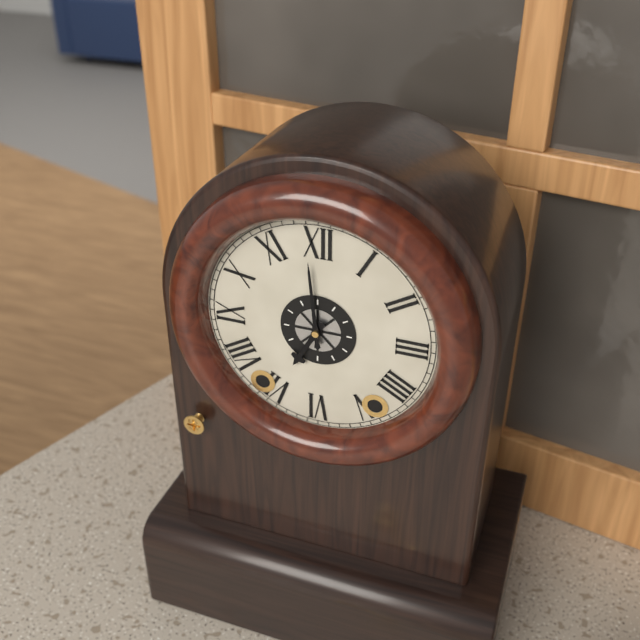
6:59
